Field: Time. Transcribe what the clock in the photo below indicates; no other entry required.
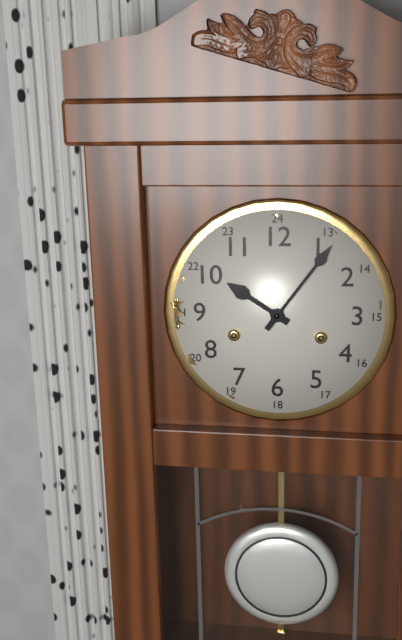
10:06
